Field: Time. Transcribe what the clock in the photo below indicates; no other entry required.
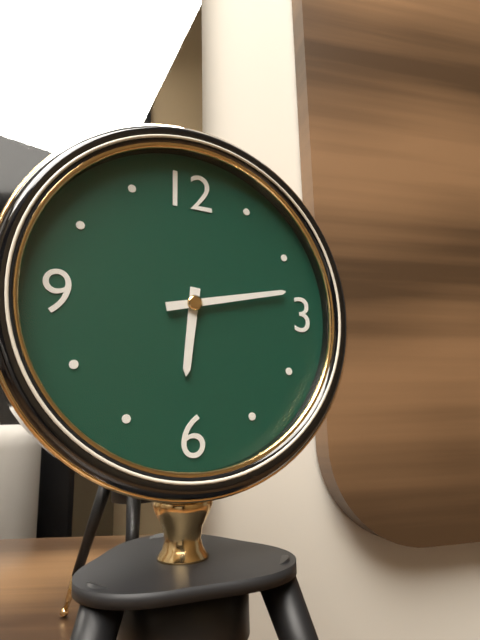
6:13
